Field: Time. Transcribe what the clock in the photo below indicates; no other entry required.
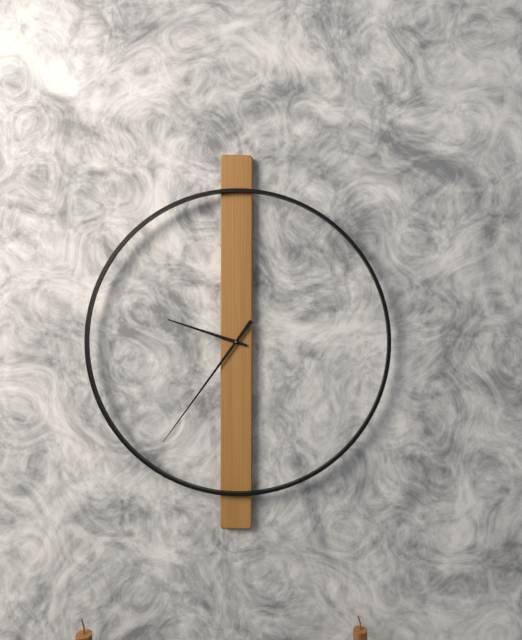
9:36
